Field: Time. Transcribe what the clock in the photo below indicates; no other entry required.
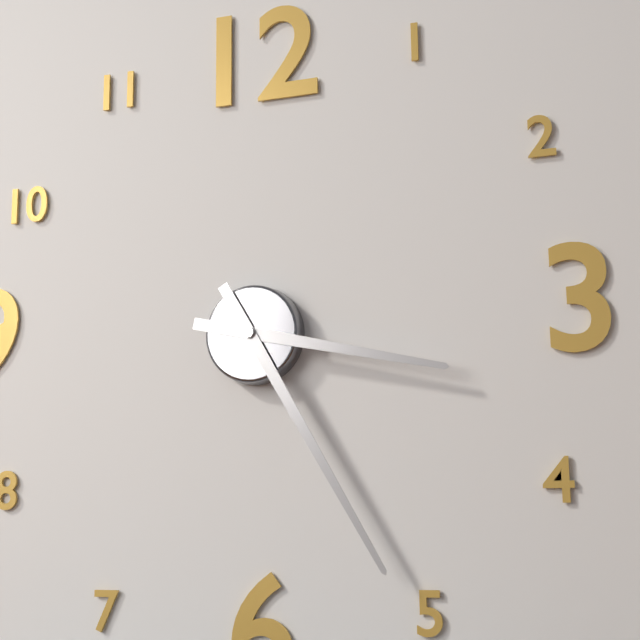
3:25
